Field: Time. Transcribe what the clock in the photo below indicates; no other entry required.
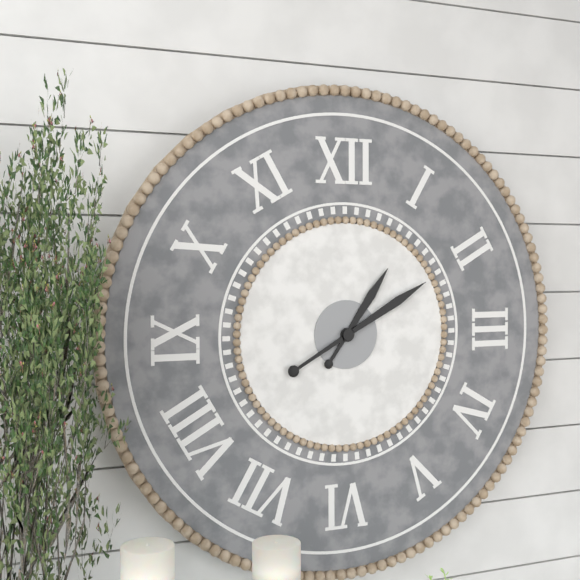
1:10
